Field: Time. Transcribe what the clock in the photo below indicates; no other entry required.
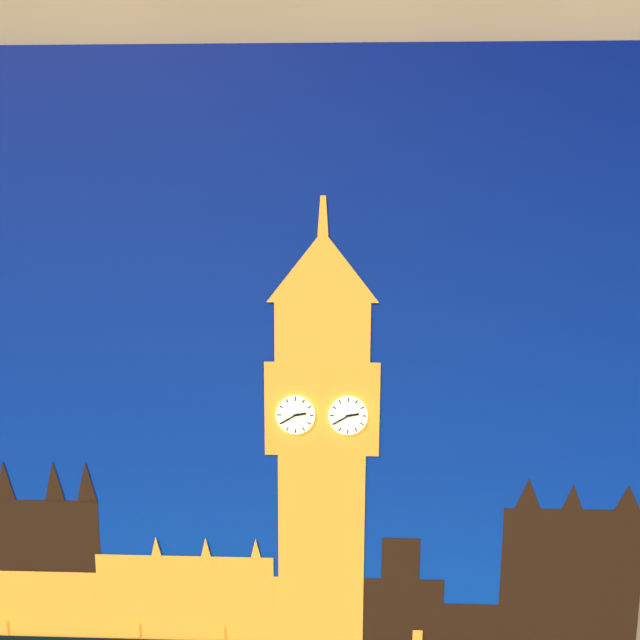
2:40
